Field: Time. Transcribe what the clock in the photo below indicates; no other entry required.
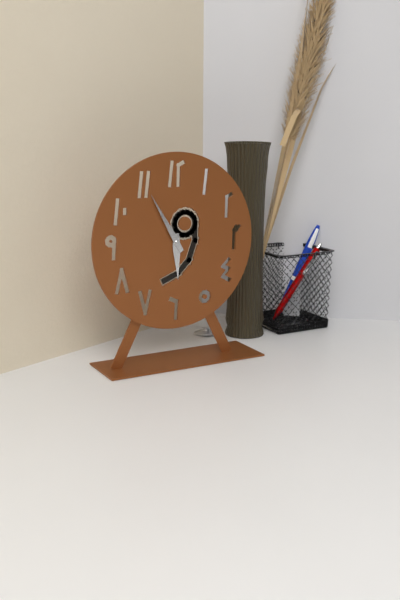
5:55
